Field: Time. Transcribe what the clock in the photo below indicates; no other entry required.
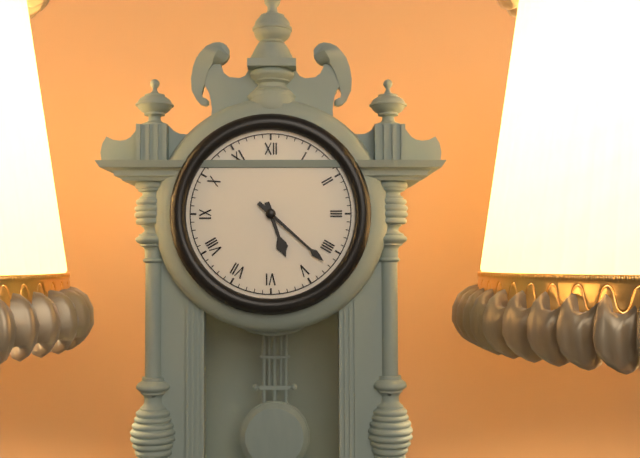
5:22
